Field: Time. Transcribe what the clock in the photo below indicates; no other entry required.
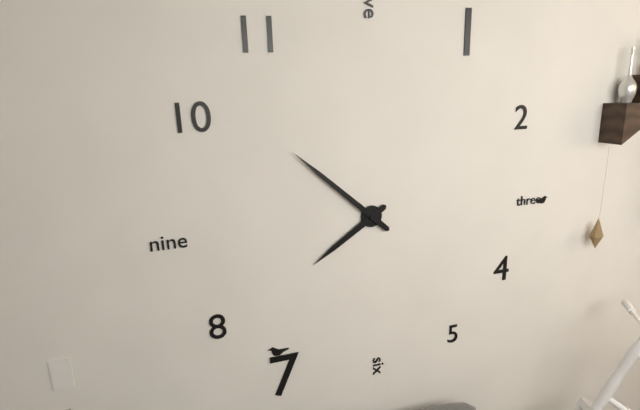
7:52
